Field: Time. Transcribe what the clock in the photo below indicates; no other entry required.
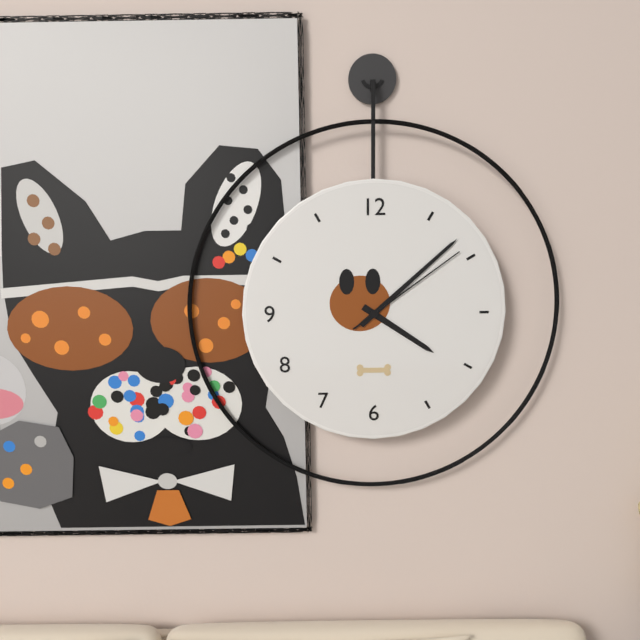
4:08:09
